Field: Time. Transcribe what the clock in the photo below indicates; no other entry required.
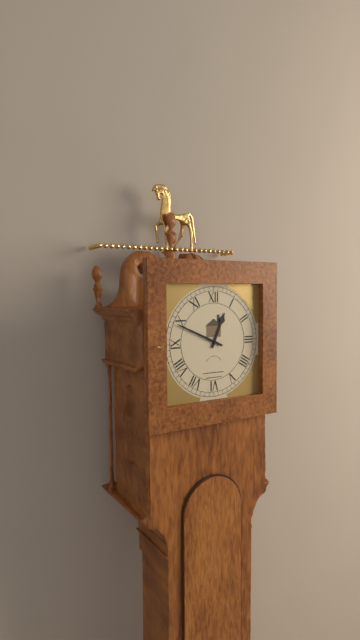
12:49
